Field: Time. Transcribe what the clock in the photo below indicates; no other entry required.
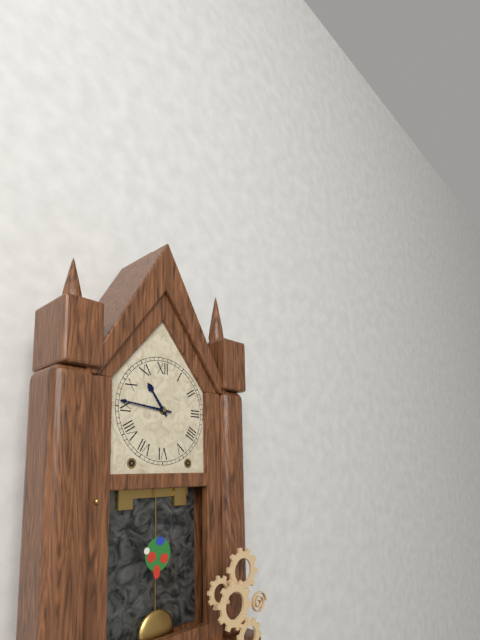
10:46
